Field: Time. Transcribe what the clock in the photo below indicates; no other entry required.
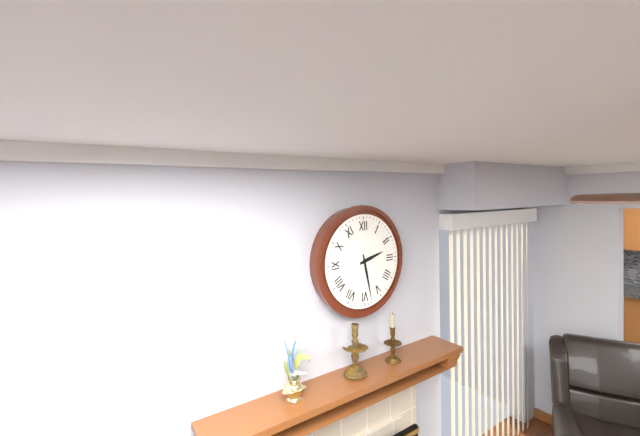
2:28
